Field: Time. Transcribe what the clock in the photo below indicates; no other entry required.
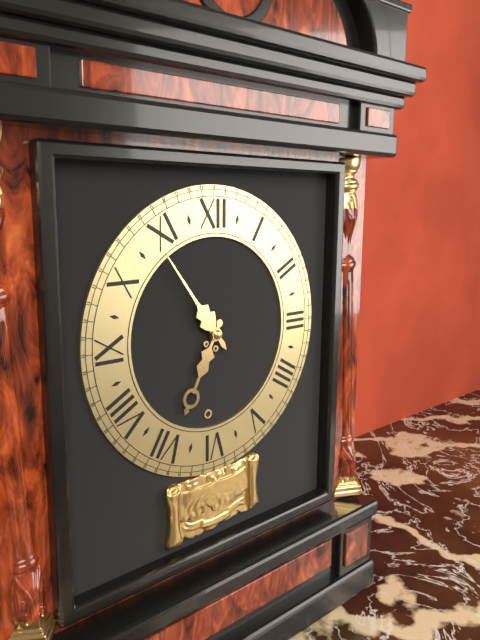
6:54
